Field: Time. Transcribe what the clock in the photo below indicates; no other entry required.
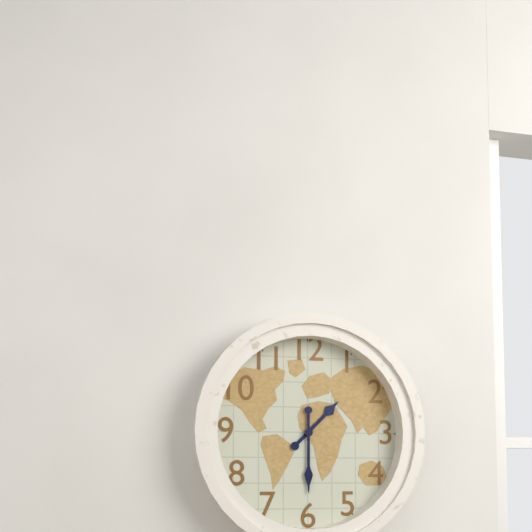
1:30
